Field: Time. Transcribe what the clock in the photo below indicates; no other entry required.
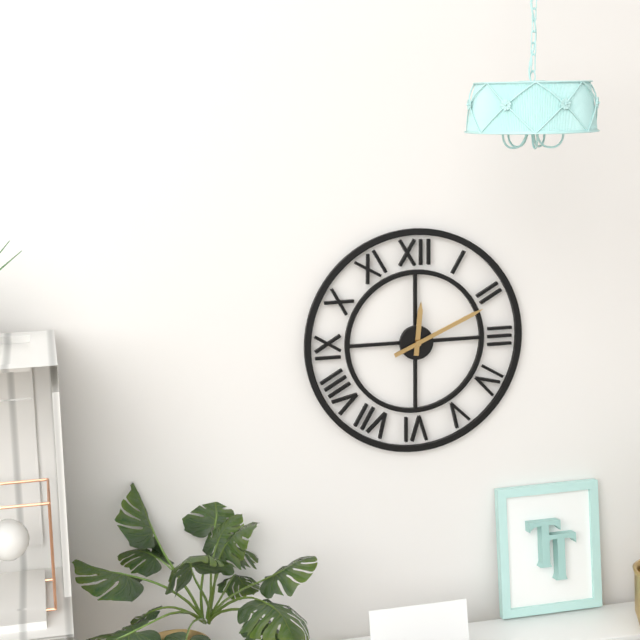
12:11
